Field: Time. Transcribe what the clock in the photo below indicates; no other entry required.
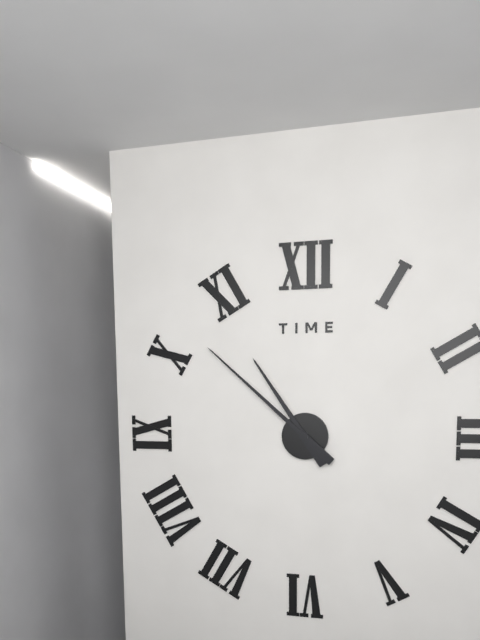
10:52
